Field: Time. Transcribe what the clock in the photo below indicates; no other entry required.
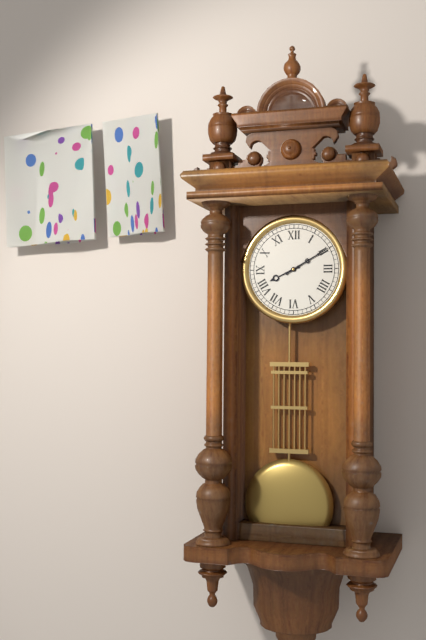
8:10
